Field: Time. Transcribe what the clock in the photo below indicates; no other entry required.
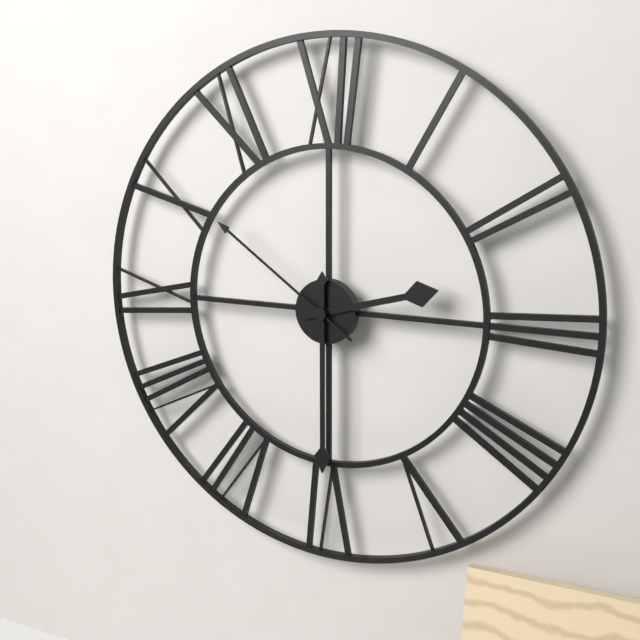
2:30:51
